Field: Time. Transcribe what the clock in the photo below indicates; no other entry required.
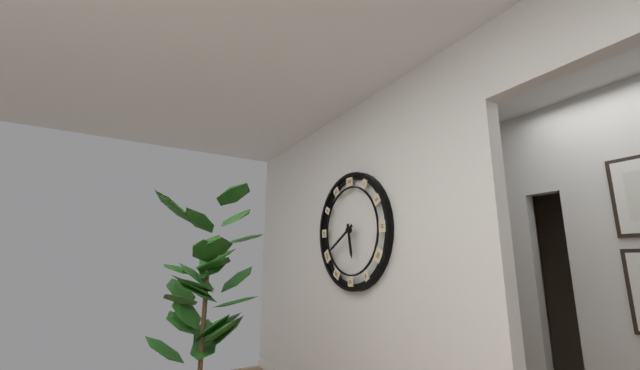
5:40
